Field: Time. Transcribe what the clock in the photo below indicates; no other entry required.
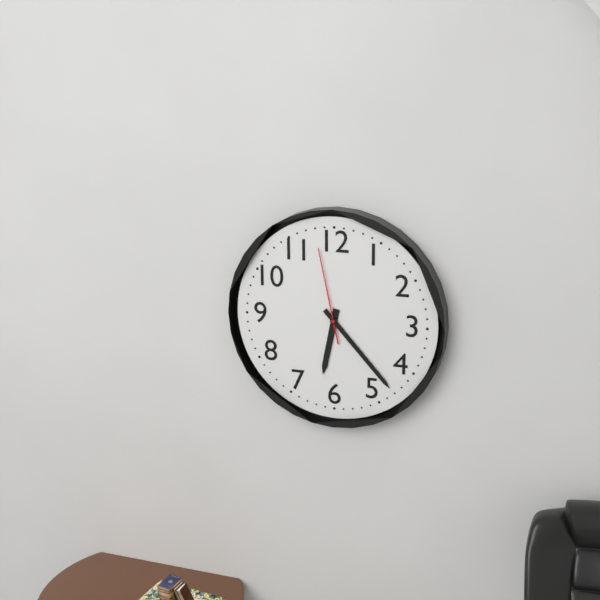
6:23:58
